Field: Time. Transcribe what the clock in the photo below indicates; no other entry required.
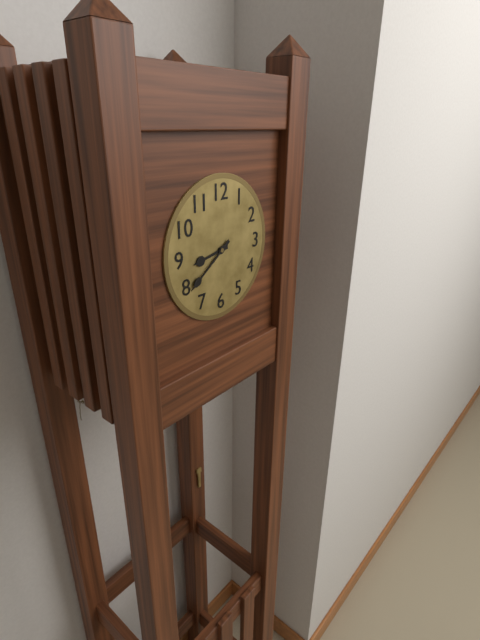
8:39
